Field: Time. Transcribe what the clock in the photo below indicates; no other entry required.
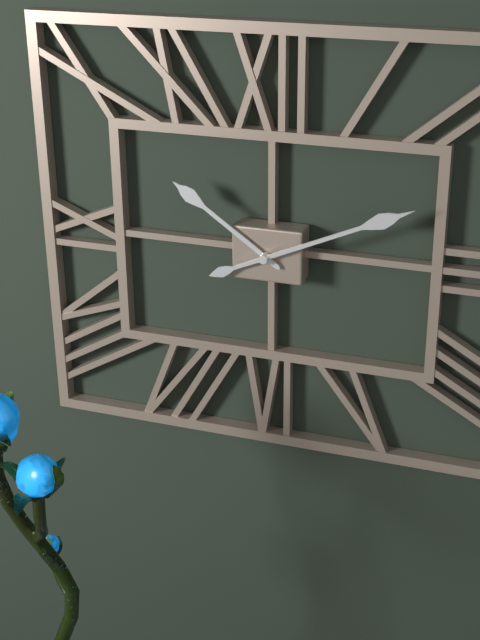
10:11
